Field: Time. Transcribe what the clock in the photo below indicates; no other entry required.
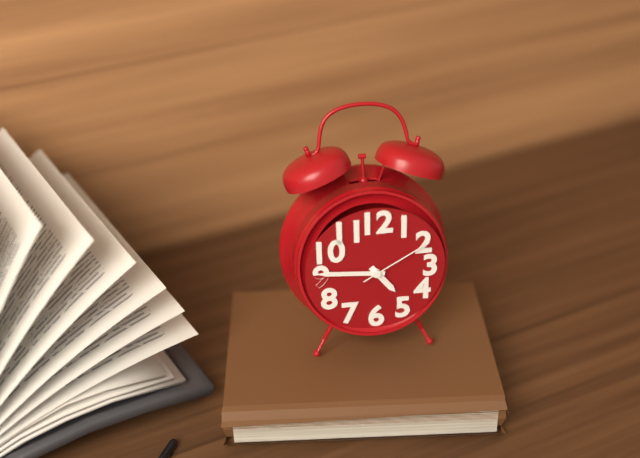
4:46:10
